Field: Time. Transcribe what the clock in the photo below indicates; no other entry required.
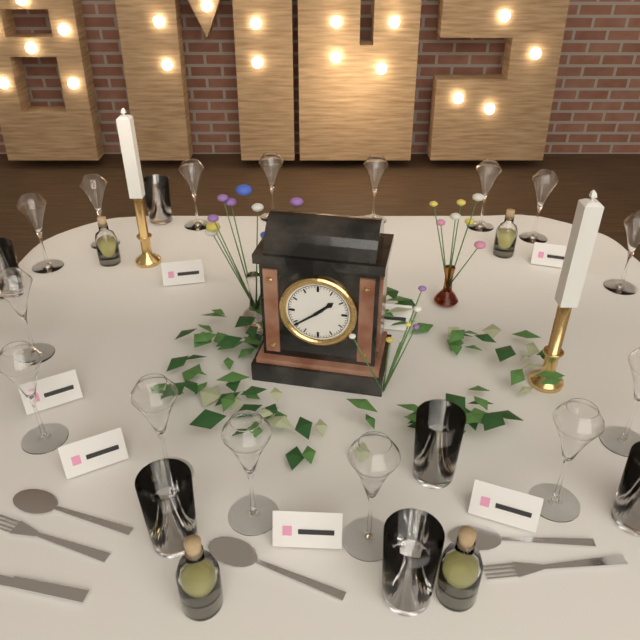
1:39
